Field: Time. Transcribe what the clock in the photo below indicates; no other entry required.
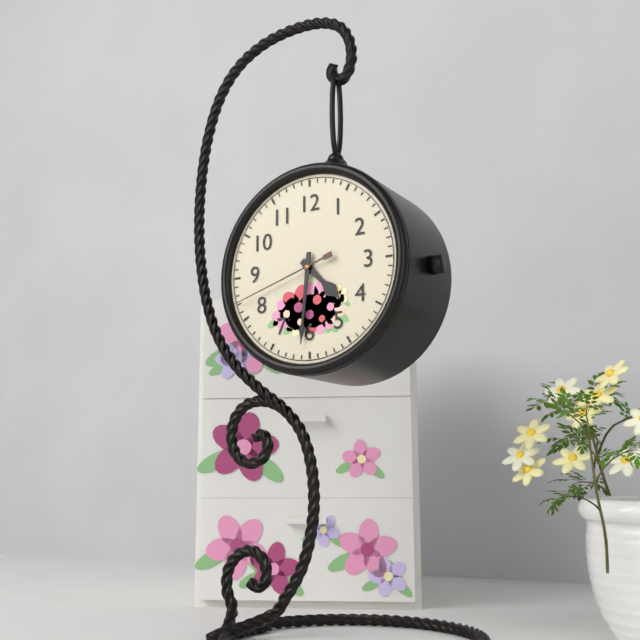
4:31:42
